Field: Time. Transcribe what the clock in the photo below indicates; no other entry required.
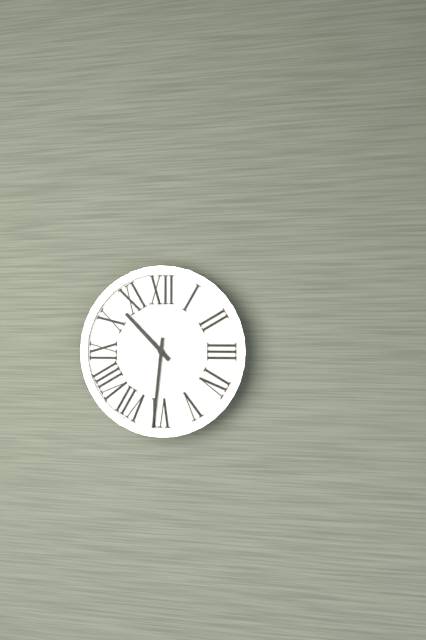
10:31
